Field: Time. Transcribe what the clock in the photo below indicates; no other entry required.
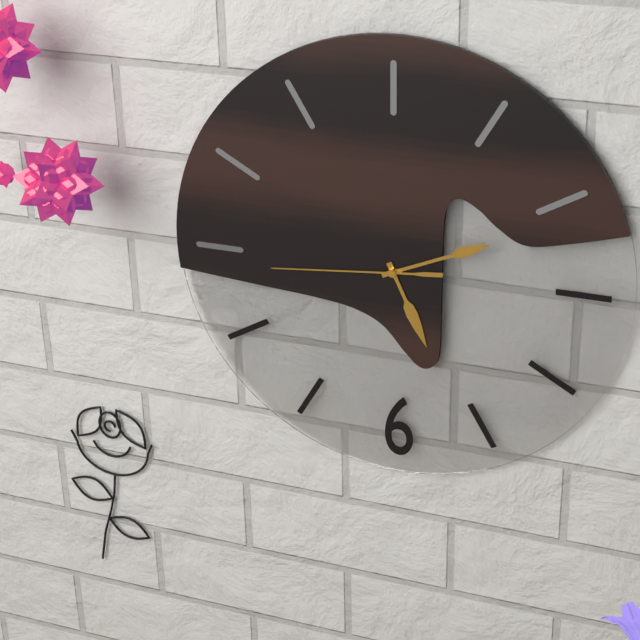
5:11:44
